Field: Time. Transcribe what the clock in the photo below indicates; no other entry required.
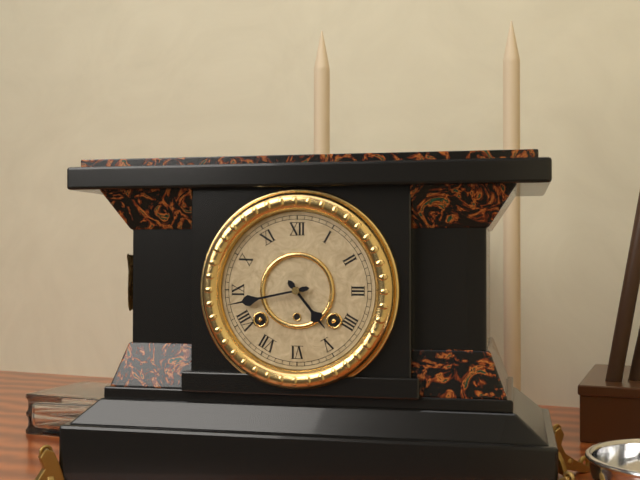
4:43
